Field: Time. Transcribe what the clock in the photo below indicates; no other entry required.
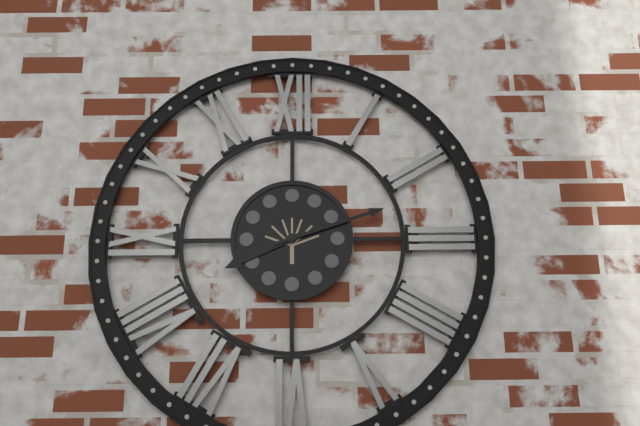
8:12
